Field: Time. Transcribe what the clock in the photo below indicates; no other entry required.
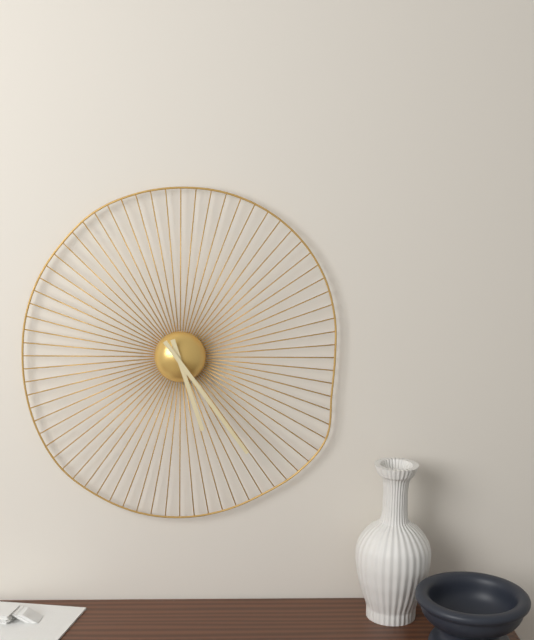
5:24
